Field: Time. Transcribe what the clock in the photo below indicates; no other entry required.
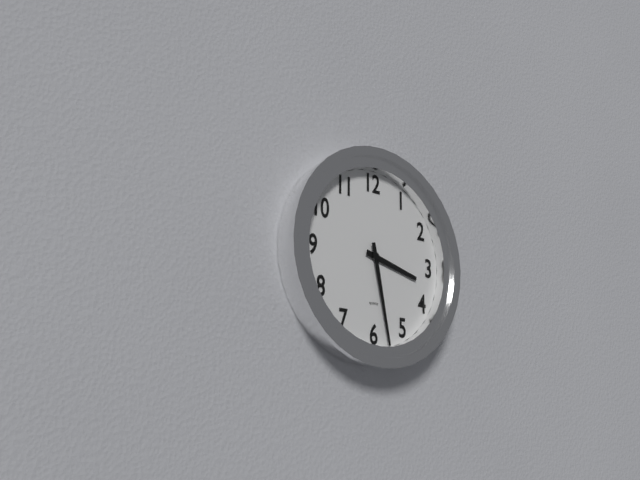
3:28
